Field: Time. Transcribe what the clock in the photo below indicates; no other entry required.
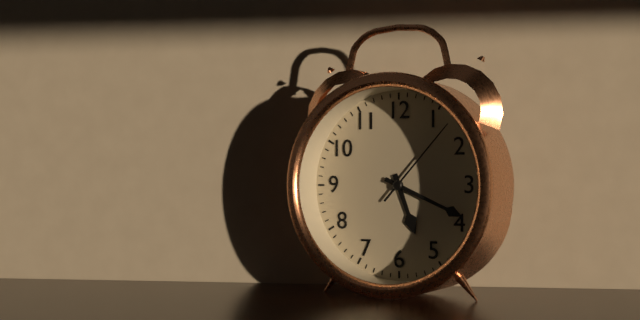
5:19:07
